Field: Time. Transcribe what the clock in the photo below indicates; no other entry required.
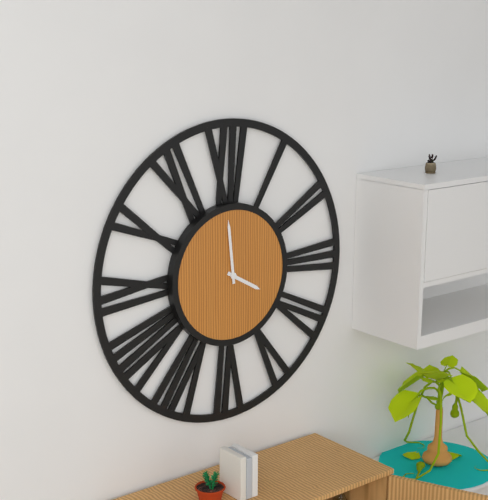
3:59
